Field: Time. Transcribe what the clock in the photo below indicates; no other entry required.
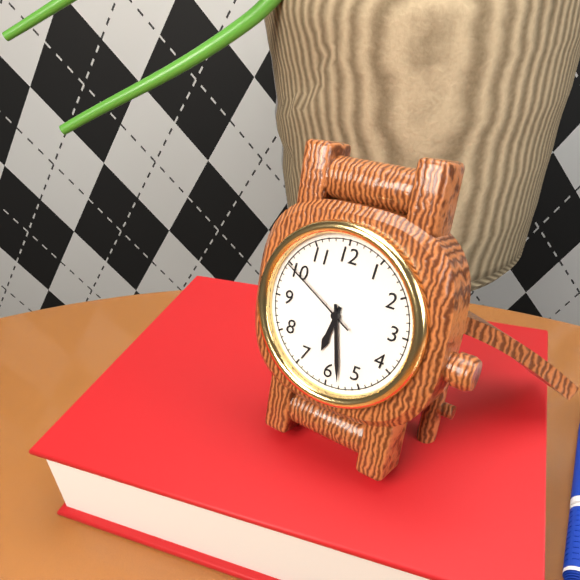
6:28:50
